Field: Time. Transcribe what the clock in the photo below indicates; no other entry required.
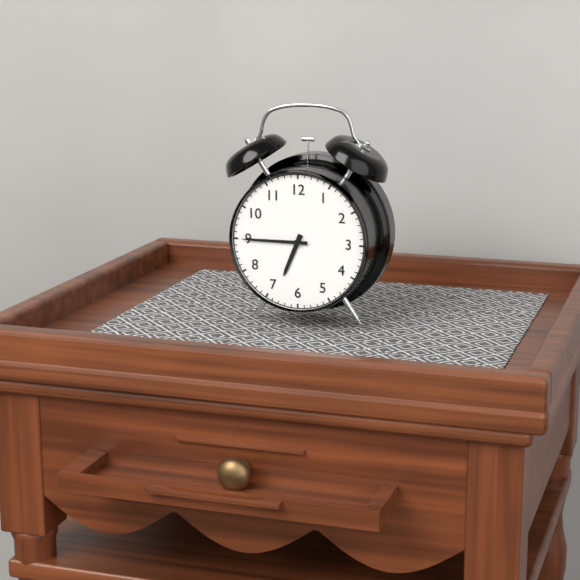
6:45
